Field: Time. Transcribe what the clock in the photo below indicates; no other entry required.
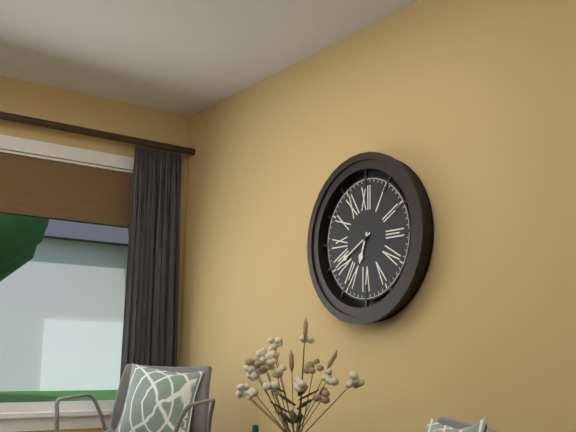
6:40
